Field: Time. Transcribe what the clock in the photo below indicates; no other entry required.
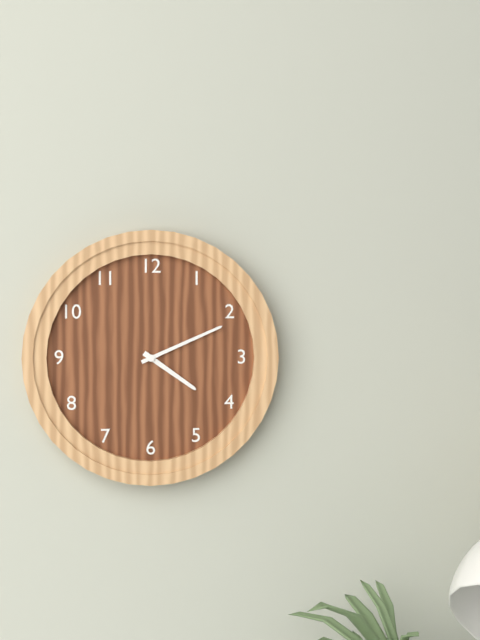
4:11
